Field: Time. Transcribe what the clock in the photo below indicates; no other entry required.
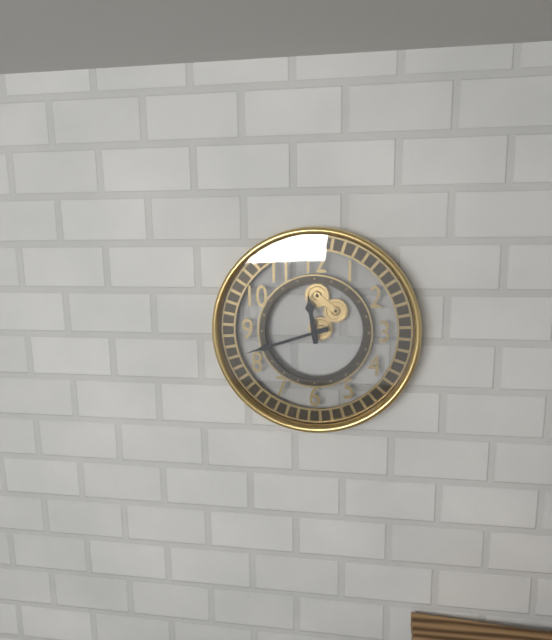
11:42
